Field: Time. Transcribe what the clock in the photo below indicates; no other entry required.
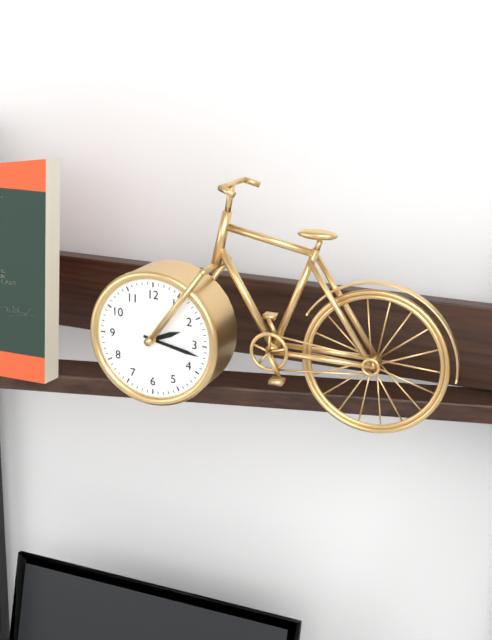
2:17
